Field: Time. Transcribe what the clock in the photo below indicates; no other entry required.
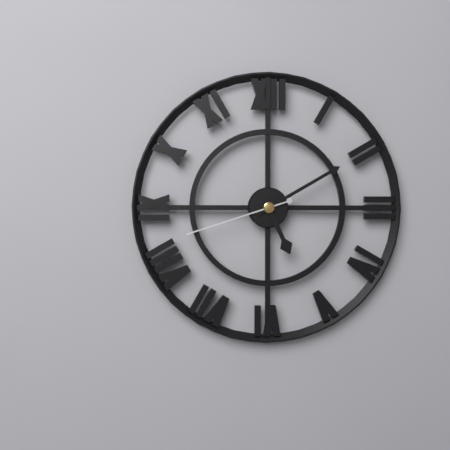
5:10:42
